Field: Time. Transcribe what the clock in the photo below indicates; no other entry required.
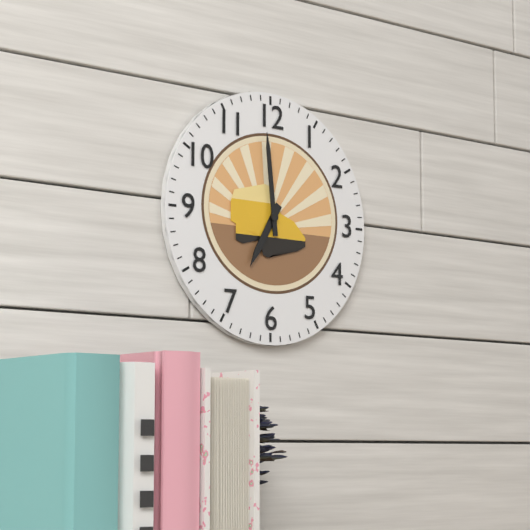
6:59
